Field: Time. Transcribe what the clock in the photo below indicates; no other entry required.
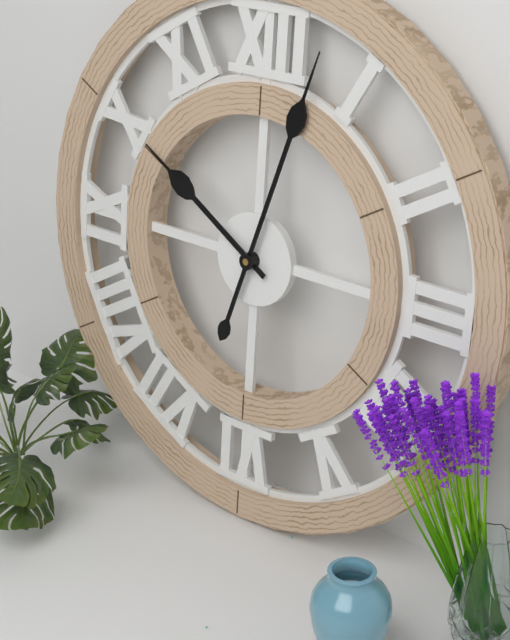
10:03
